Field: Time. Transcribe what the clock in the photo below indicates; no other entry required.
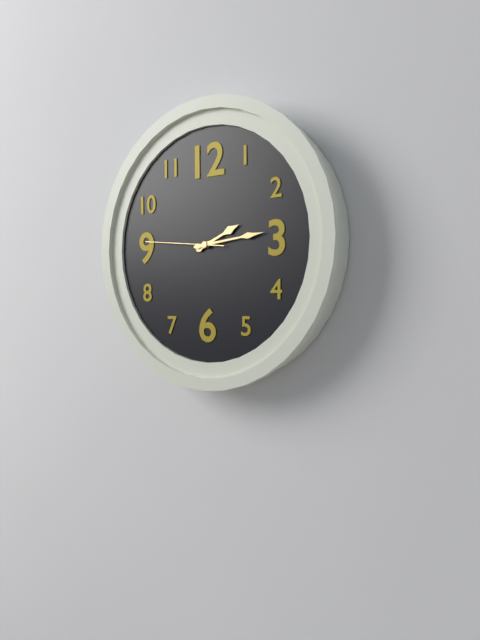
2:14:46
